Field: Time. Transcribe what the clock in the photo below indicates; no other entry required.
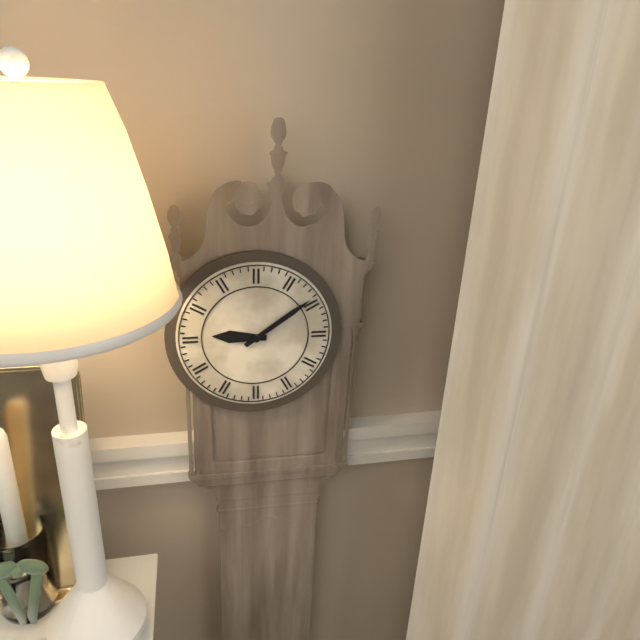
9:09
